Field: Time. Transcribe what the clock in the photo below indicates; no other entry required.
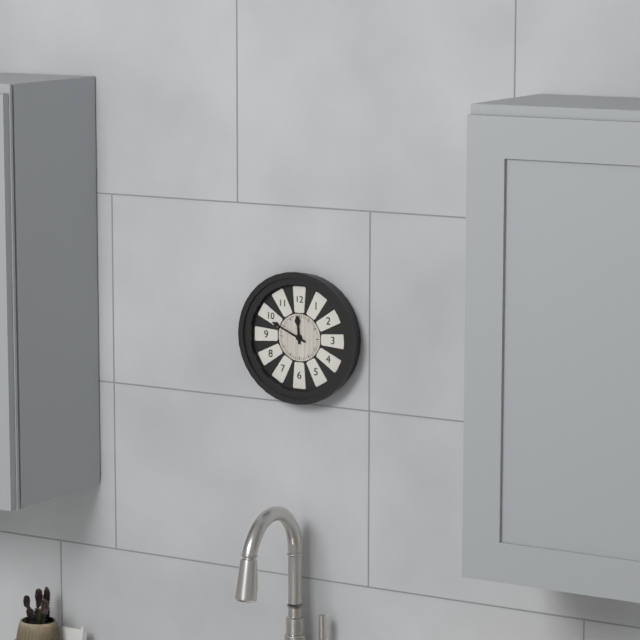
11:49
